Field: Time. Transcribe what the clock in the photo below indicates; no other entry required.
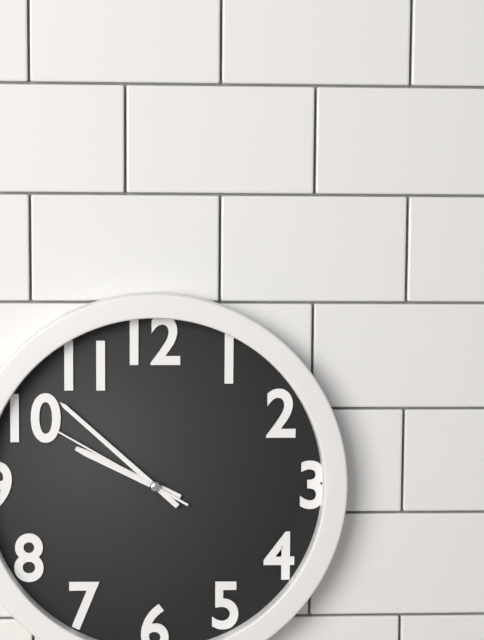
9:52:50
